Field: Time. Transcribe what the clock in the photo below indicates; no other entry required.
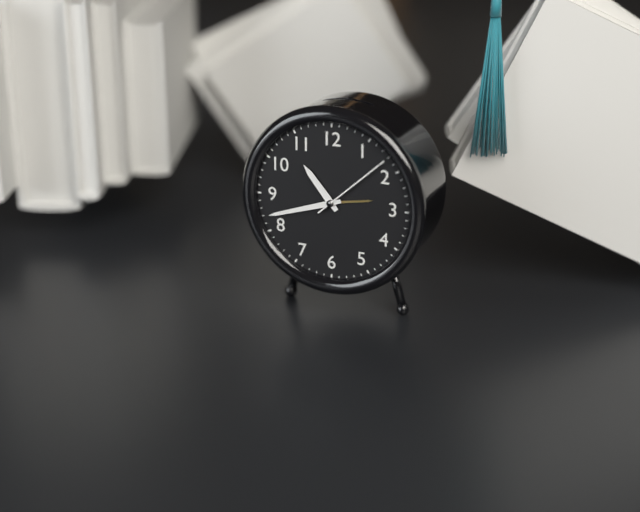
10:42:08
